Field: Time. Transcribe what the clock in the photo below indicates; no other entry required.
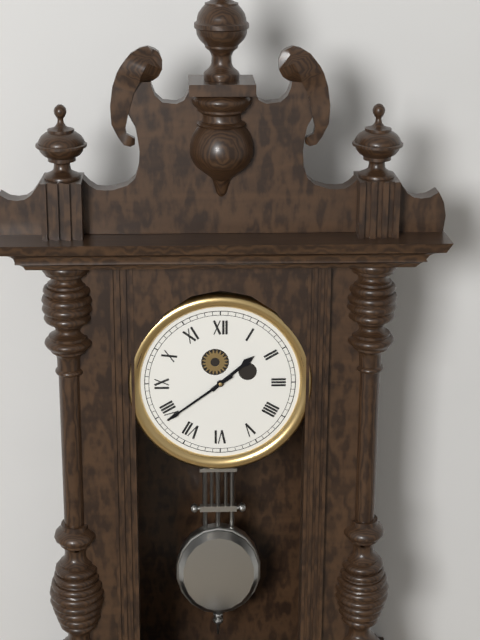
1:39
